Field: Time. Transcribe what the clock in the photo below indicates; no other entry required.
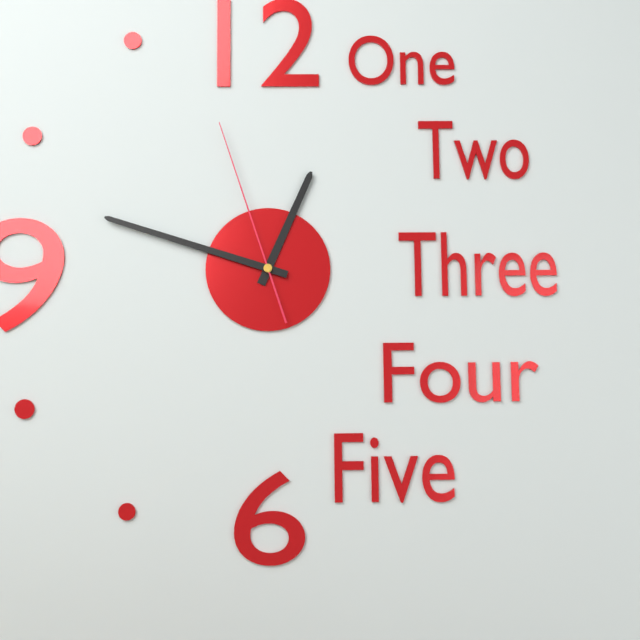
12:48:57
